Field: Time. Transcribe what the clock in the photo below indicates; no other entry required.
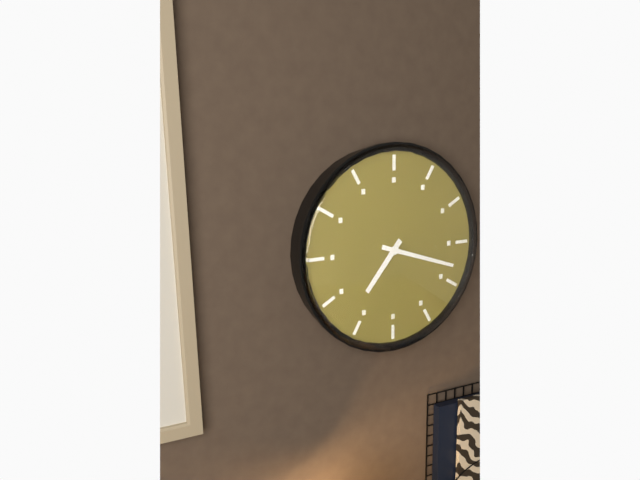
7:18
